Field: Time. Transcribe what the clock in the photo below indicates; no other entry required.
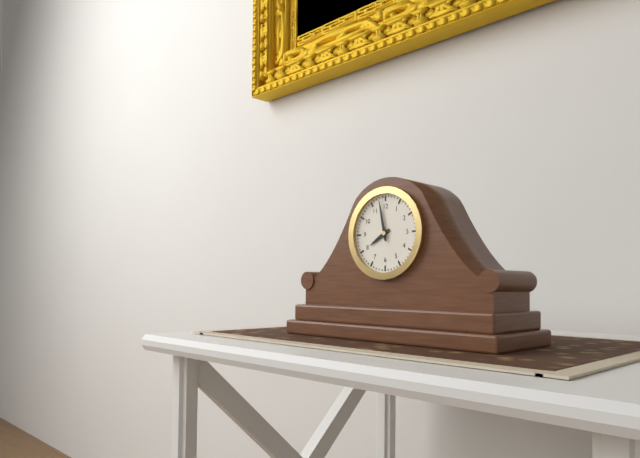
7:58
